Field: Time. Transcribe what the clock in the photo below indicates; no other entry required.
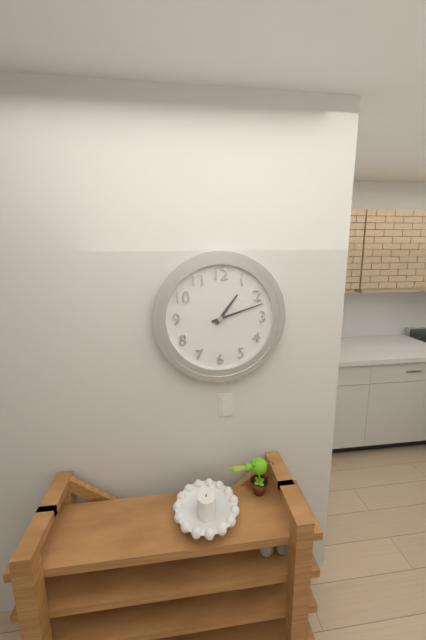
1:12
